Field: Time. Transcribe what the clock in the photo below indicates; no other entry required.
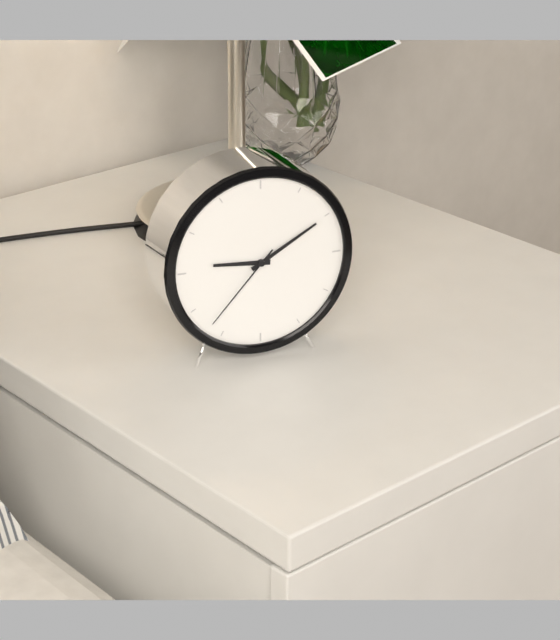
9:10:37
